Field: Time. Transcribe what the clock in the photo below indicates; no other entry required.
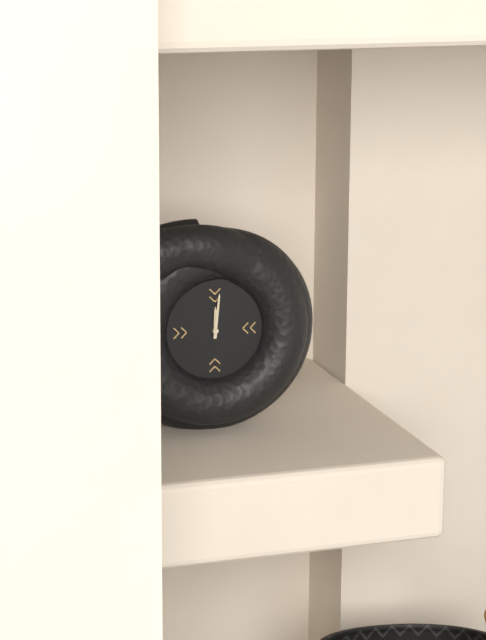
12:01
